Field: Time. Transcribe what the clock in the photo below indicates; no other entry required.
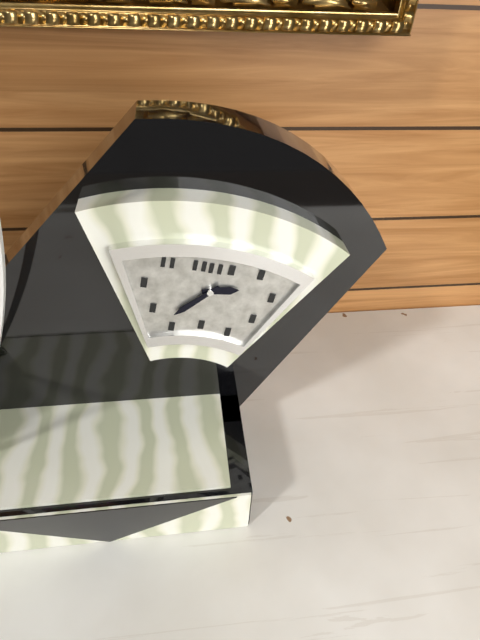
2:37
